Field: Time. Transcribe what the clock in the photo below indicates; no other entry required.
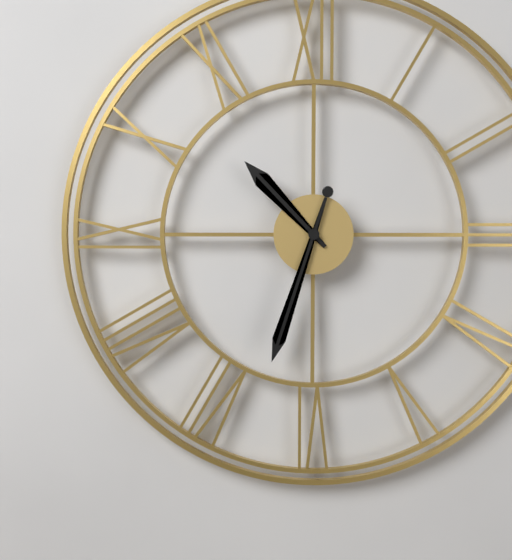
10:33
